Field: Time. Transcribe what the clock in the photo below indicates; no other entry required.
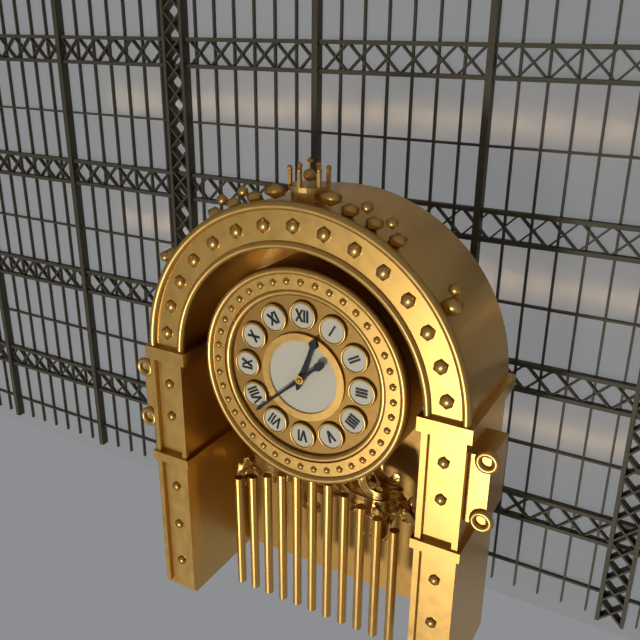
12:38
